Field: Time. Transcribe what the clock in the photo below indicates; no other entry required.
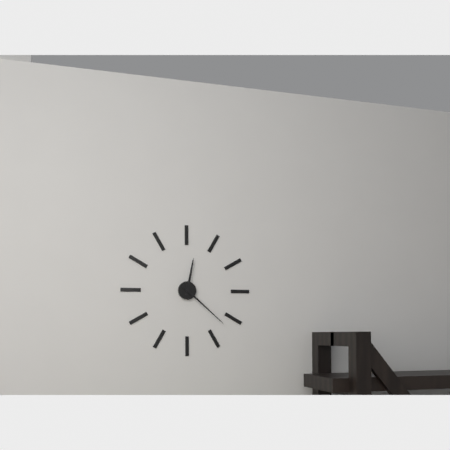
12:22
